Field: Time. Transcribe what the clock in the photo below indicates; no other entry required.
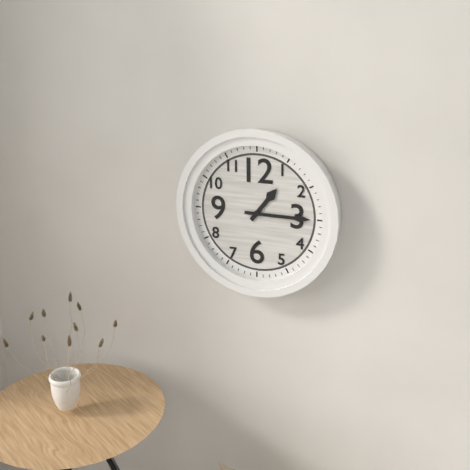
1:15
